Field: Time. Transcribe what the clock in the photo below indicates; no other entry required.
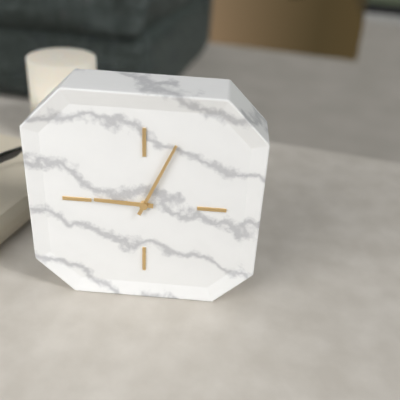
9:04
